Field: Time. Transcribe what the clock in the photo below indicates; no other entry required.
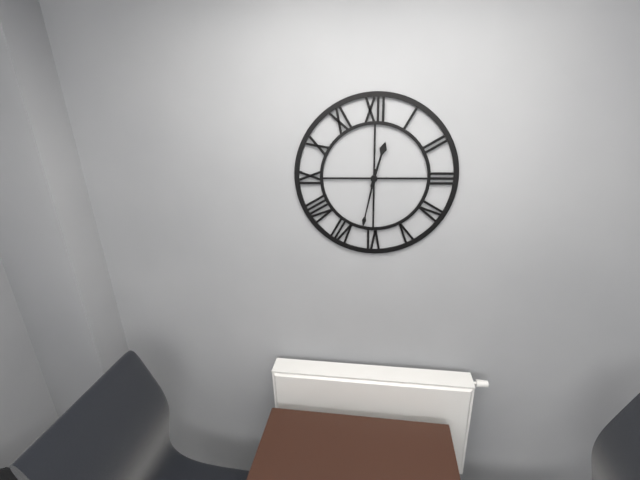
12:32
